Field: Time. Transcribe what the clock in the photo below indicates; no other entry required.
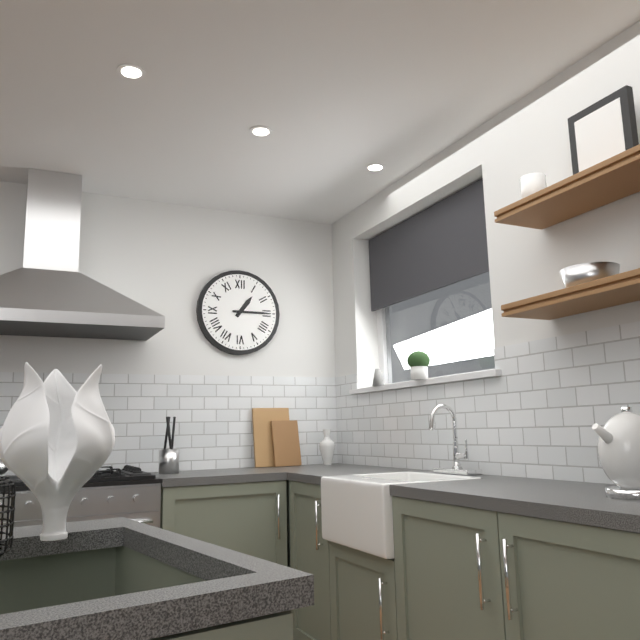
1:15
